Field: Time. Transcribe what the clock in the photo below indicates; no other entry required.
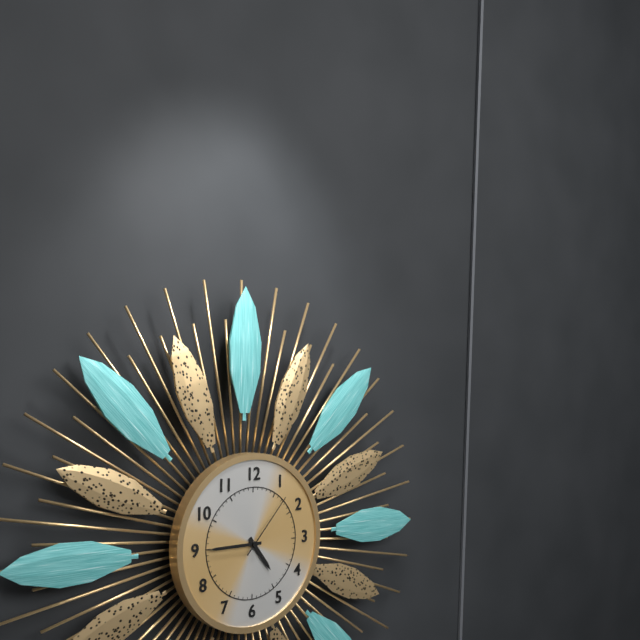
4:45:07
